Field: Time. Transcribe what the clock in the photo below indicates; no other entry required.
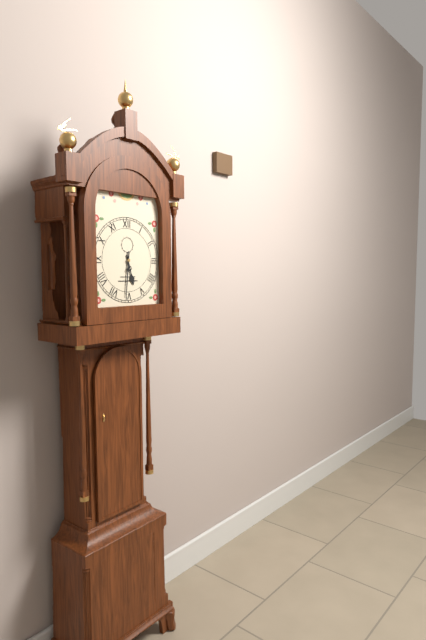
5:31
